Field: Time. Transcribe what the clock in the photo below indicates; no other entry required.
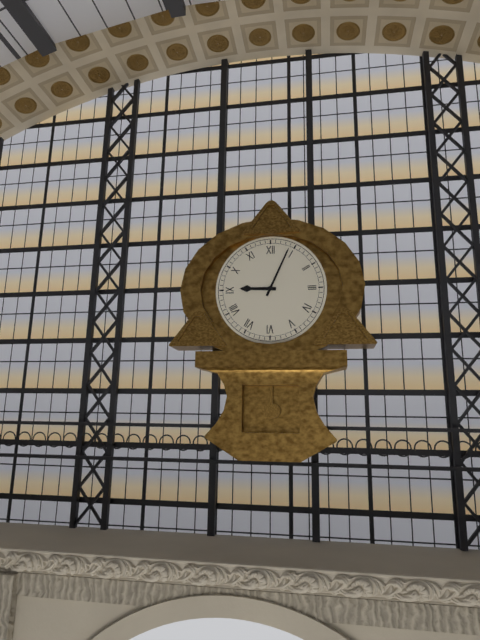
9:04
